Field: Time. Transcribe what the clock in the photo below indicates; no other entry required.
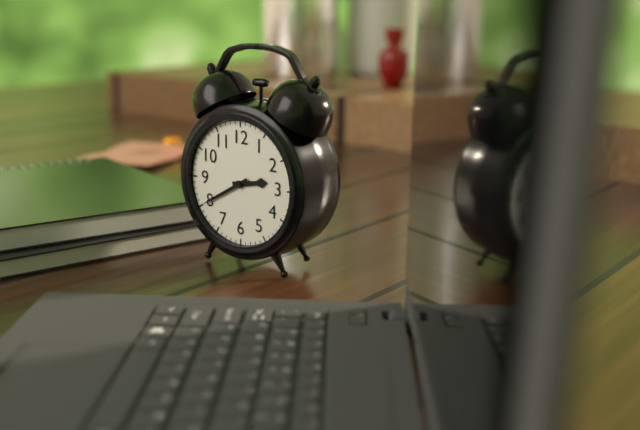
2:40
